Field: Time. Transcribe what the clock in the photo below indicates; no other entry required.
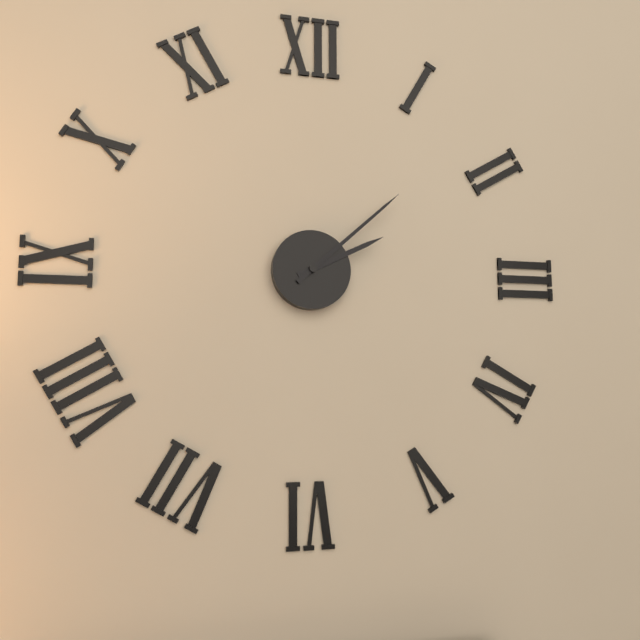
2:08
